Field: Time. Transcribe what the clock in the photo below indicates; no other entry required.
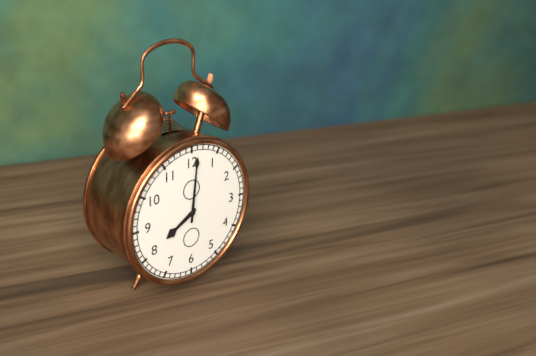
8:01
